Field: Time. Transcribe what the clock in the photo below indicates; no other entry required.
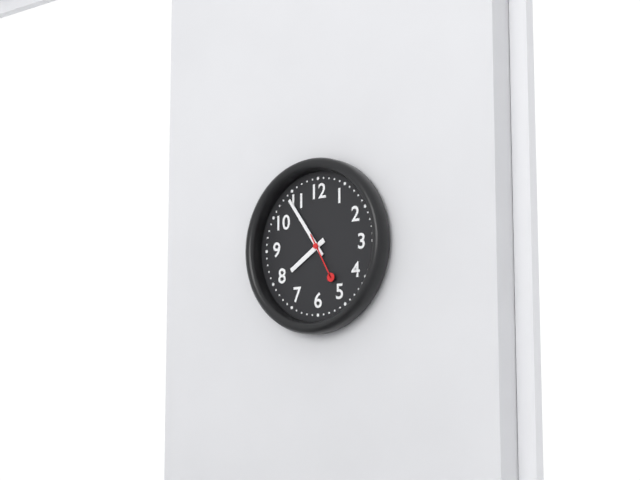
7:54
